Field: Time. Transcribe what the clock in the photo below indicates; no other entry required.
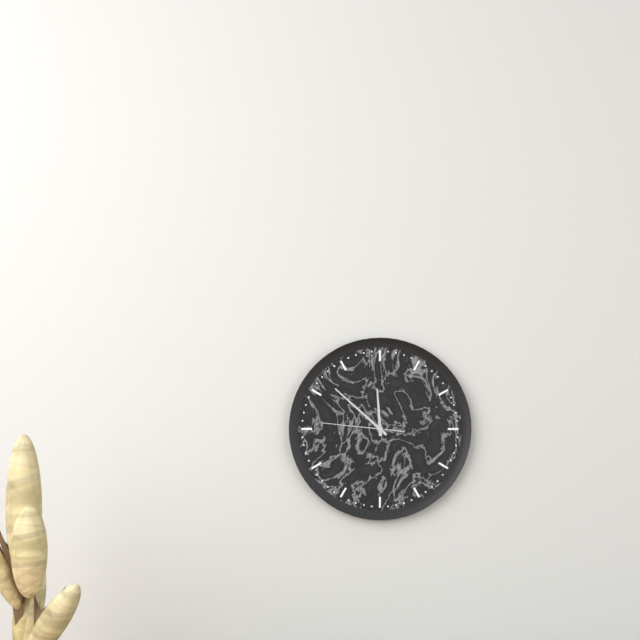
11:52:46
